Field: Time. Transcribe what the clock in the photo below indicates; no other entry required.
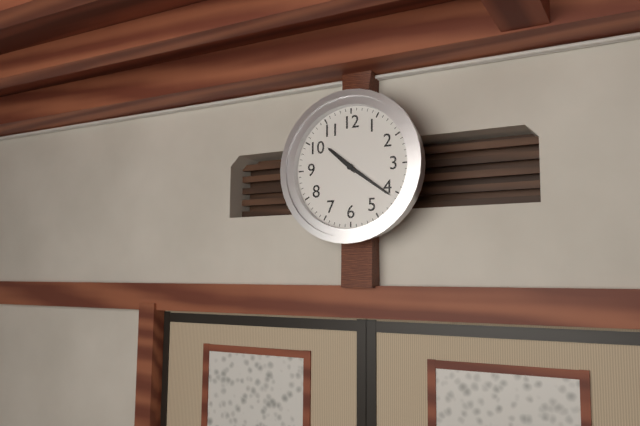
10:21
